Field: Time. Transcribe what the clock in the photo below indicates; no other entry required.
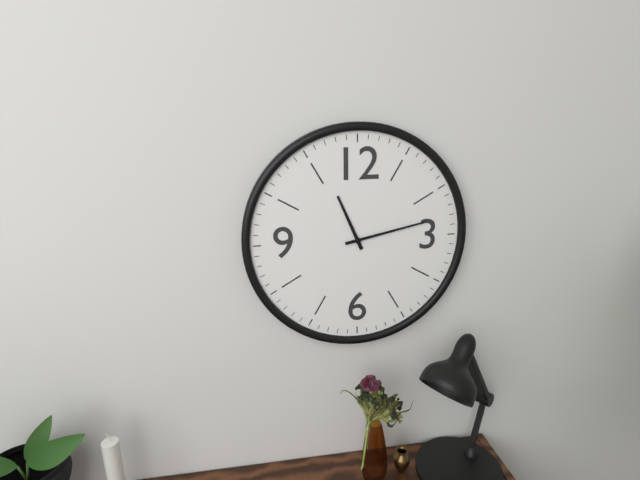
11:13
